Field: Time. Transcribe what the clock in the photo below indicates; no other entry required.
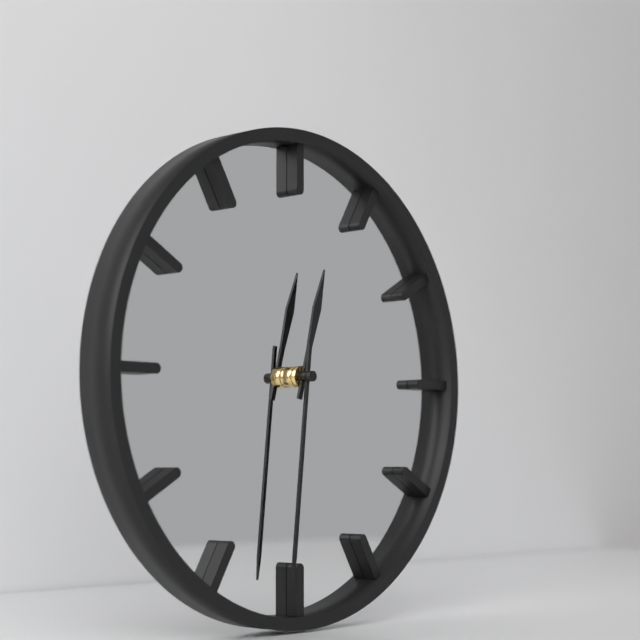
12:31
